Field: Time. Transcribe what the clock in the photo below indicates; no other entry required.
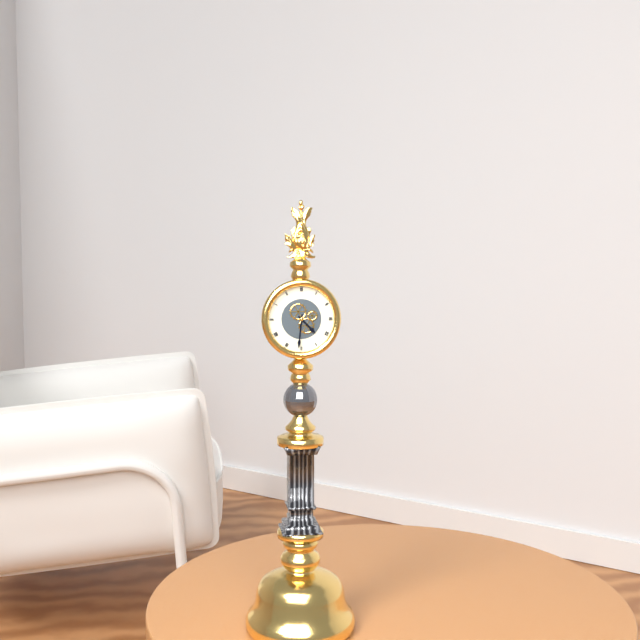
4:31
